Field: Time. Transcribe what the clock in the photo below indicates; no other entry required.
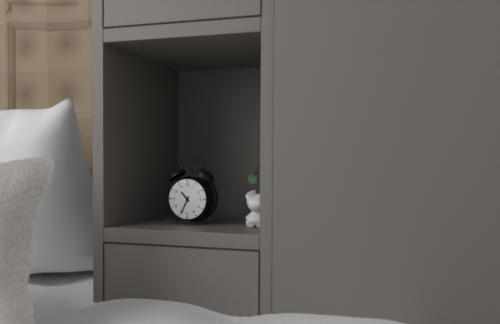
10:34
